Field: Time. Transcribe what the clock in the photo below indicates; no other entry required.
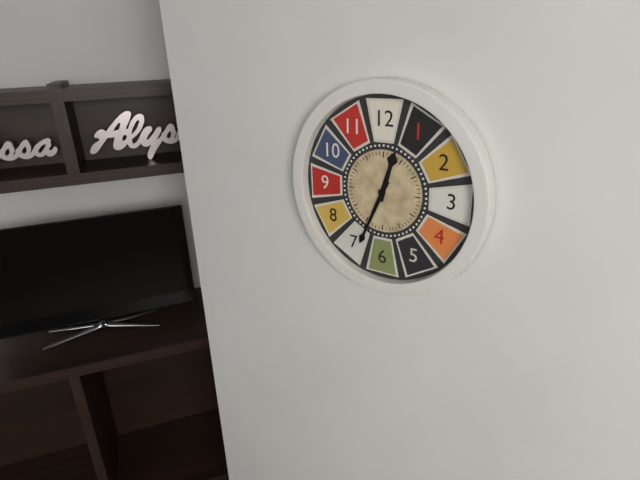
12:34
